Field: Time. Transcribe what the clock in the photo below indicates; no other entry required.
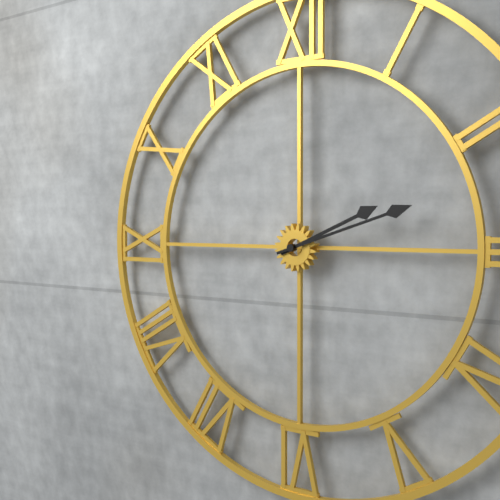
2:12
